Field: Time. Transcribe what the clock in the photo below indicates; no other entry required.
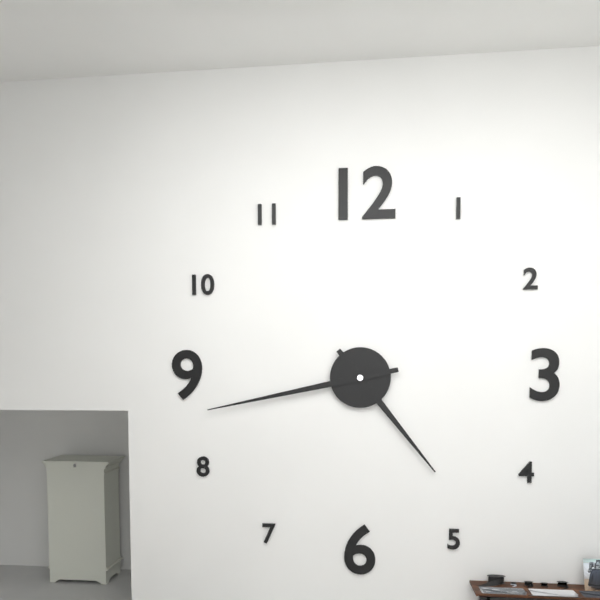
4:43
